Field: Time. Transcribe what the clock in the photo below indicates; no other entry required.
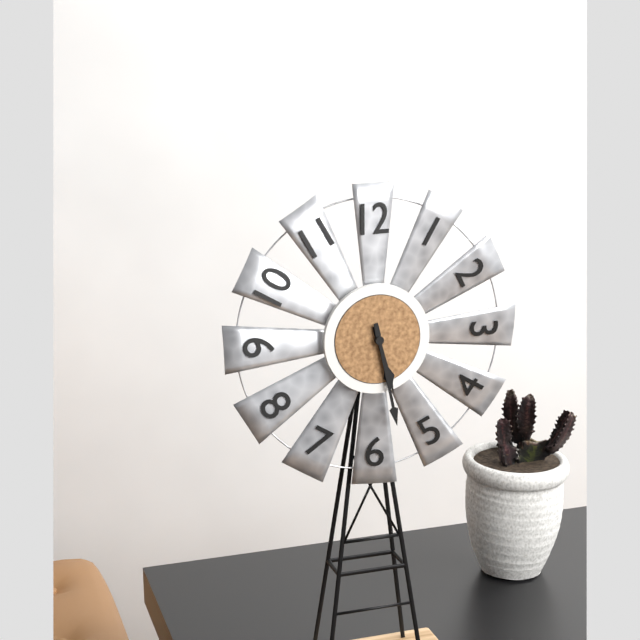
5:28
